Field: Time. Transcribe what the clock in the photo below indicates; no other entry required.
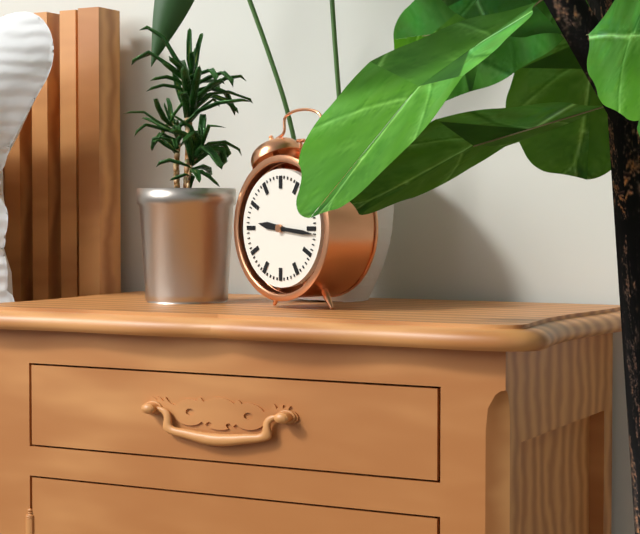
9:16
